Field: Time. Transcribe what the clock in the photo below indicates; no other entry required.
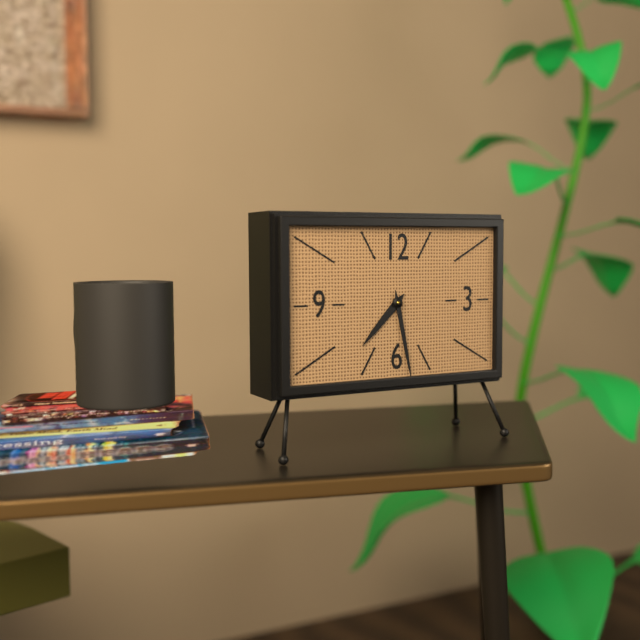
7:28
